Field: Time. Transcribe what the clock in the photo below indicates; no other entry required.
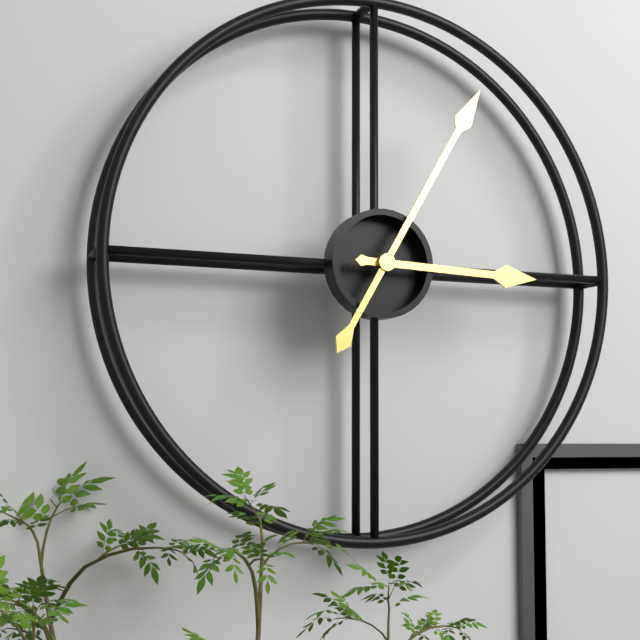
3:05
